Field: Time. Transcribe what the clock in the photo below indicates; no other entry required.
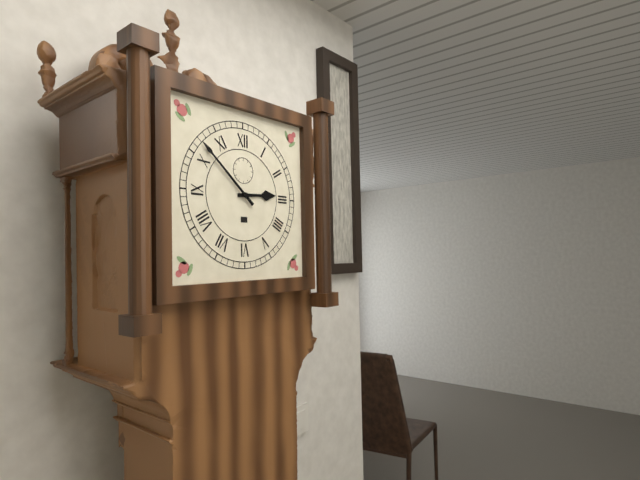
2:52
